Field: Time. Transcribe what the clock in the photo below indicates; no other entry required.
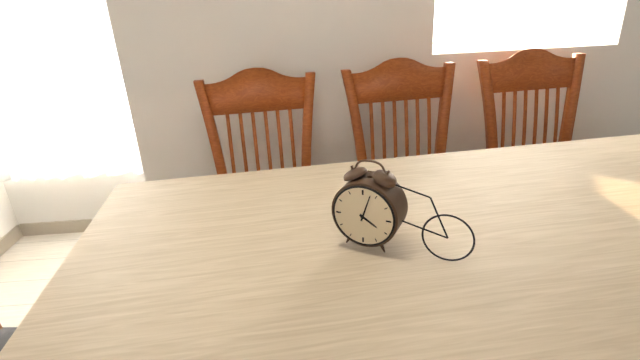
4:03
